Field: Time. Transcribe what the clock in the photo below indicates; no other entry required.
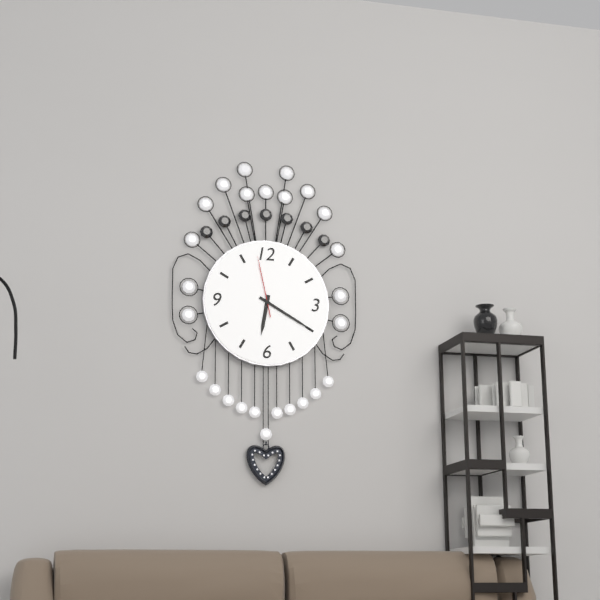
6:20:58
